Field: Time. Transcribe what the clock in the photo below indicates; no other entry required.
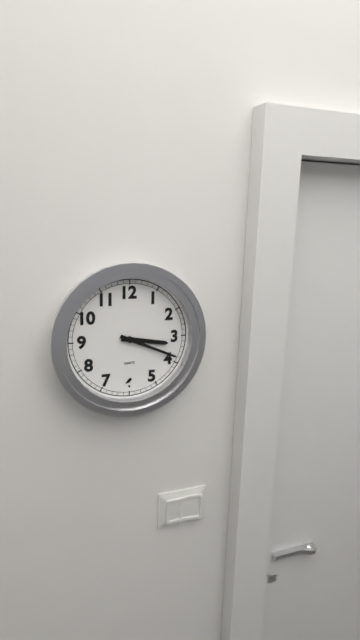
3:19
